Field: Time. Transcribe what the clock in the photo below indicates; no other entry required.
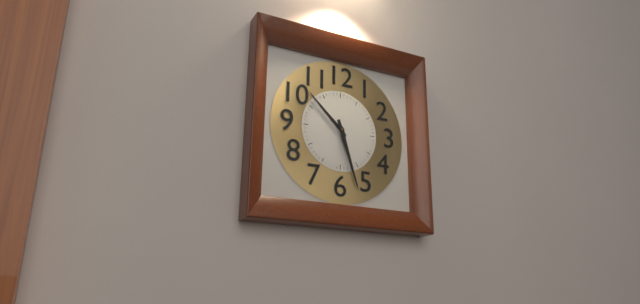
10:27
